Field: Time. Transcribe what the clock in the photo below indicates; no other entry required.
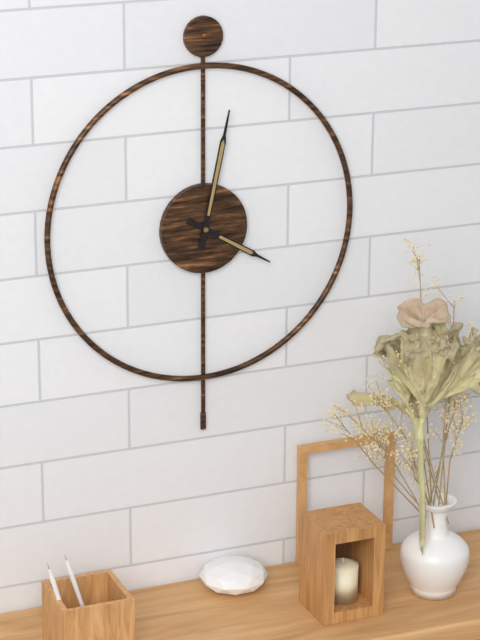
4:02
